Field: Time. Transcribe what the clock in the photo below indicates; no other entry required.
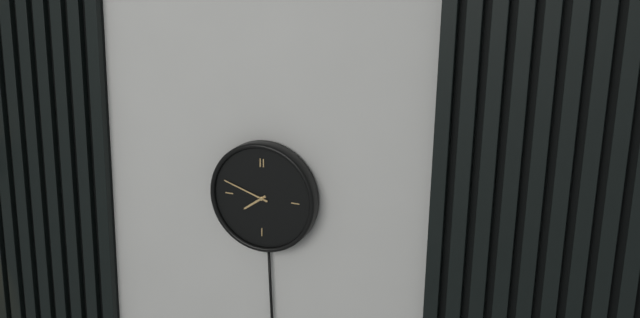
7:48
